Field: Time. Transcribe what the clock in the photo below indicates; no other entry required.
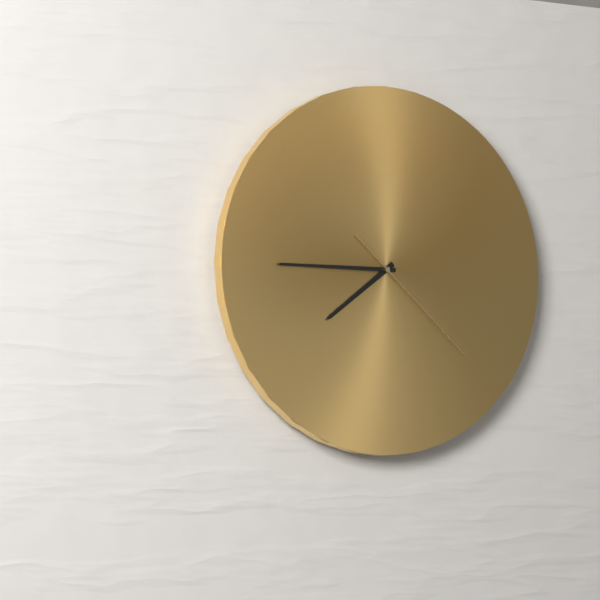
7:45:22
